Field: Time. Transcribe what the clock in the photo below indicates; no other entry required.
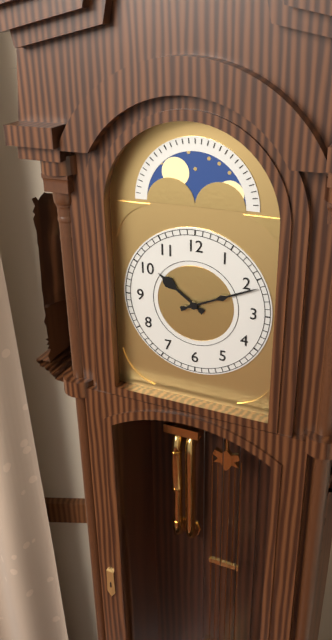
10:11
